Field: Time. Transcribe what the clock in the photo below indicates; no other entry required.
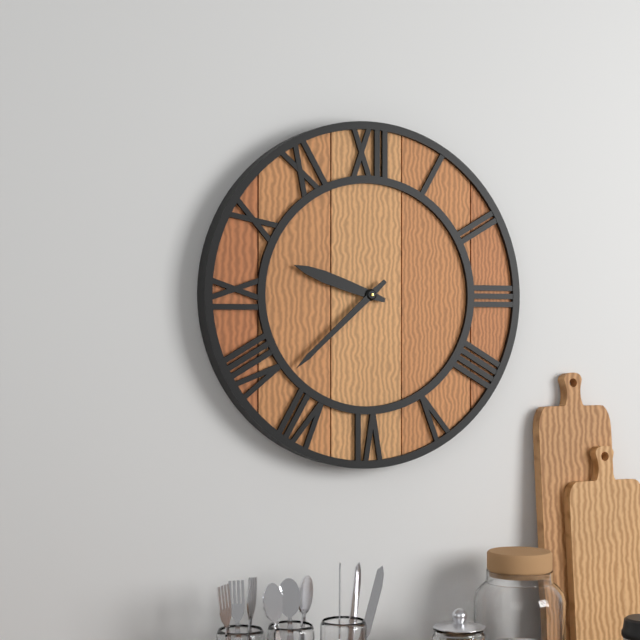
9:38
